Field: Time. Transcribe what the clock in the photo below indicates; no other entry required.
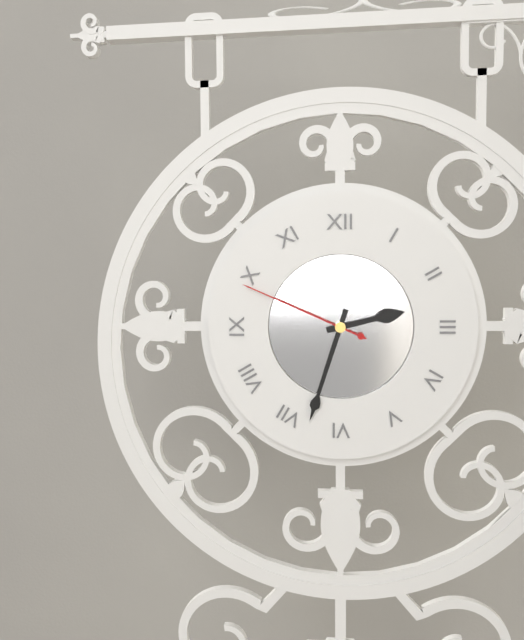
2:33:49
